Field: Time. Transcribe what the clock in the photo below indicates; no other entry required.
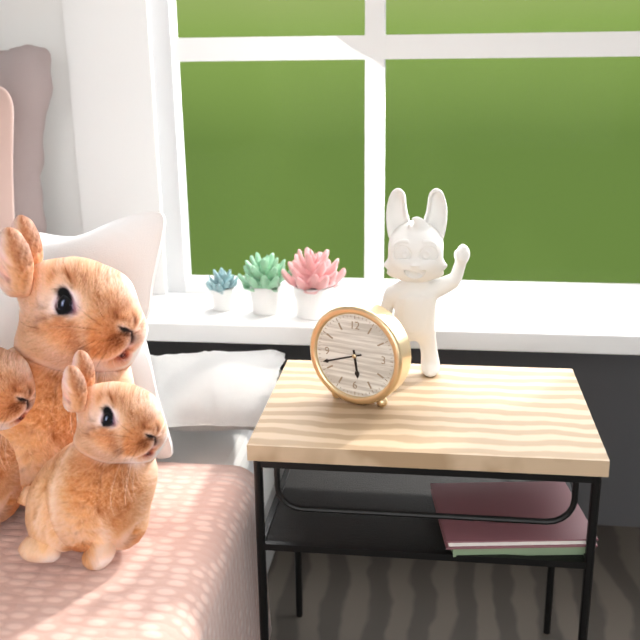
5:42
